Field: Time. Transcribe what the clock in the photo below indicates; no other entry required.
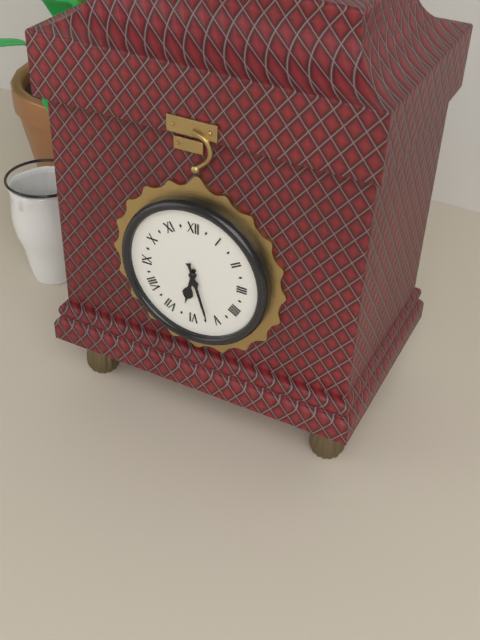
6:27
